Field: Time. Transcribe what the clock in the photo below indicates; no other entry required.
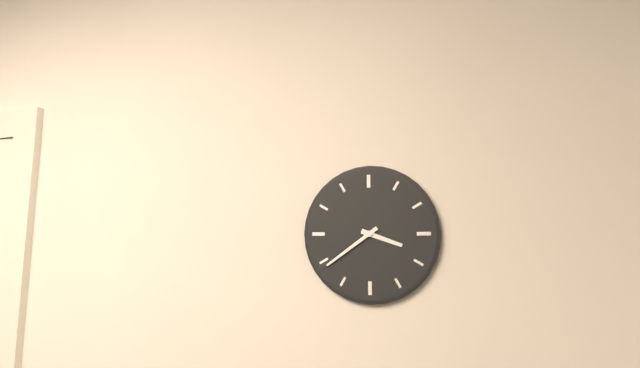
3:39
